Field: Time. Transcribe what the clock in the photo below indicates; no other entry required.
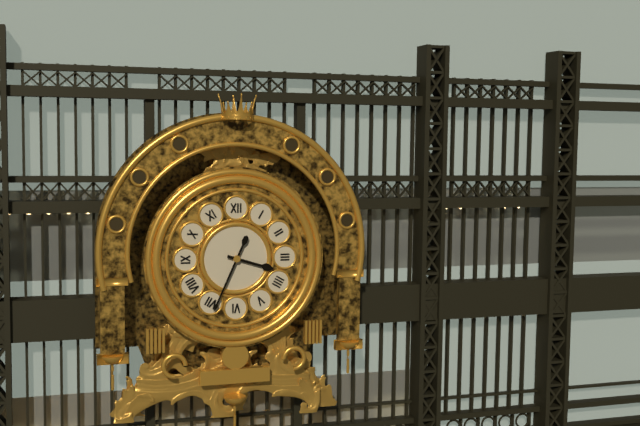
3:34
